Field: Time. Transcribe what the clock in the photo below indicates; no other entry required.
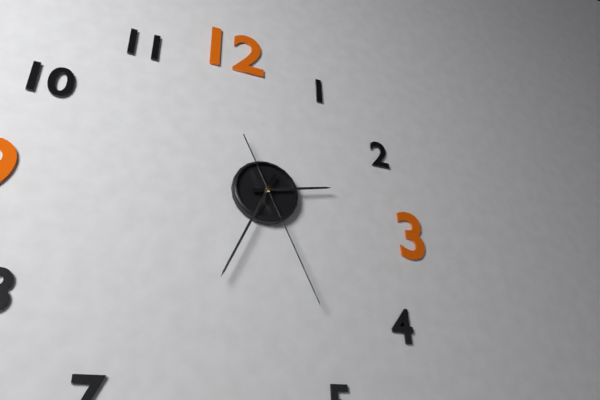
2:34:26
